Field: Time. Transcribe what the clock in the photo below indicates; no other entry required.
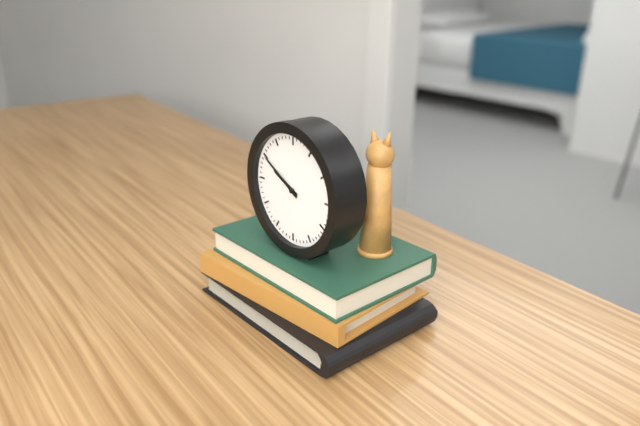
9:50
